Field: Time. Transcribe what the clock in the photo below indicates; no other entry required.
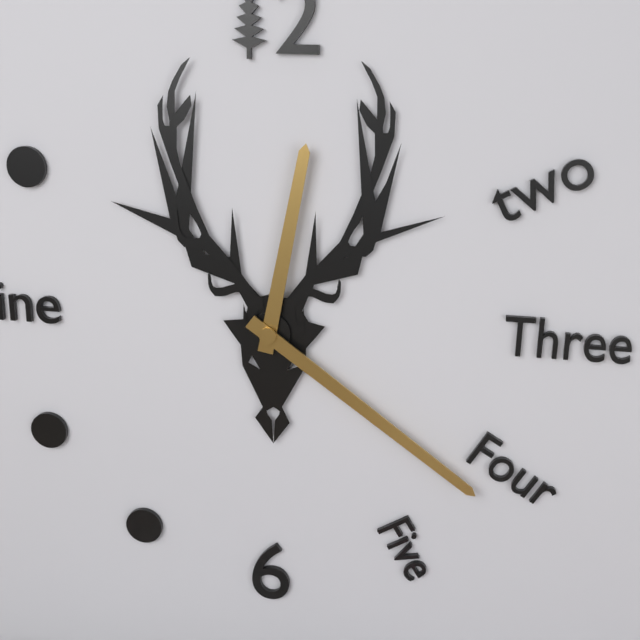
12:21
